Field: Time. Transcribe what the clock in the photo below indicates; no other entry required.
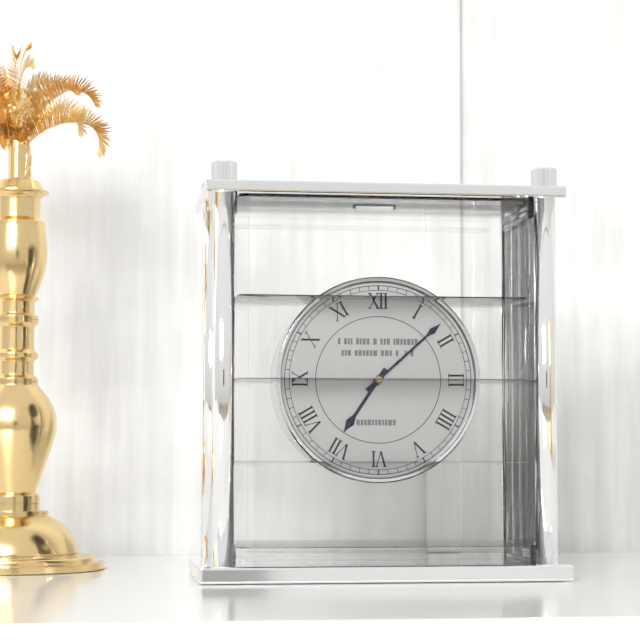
7:08
